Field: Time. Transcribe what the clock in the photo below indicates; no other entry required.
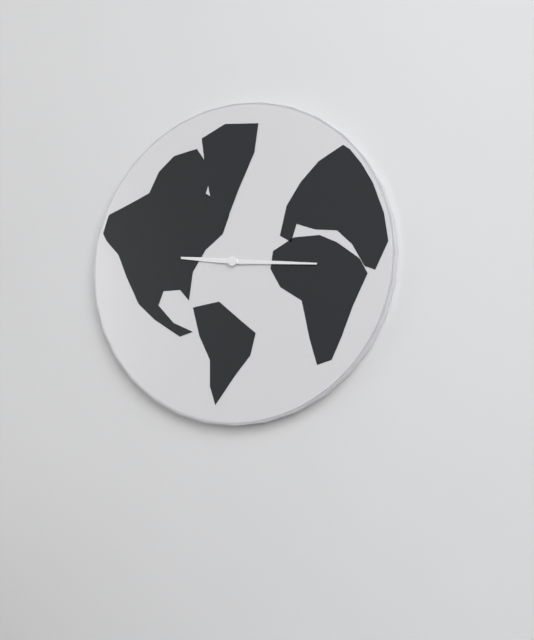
9:16
